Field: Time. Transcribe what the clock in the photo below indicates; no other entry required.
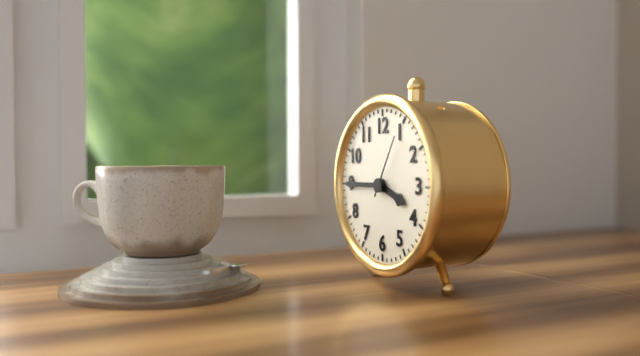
3:45:05
